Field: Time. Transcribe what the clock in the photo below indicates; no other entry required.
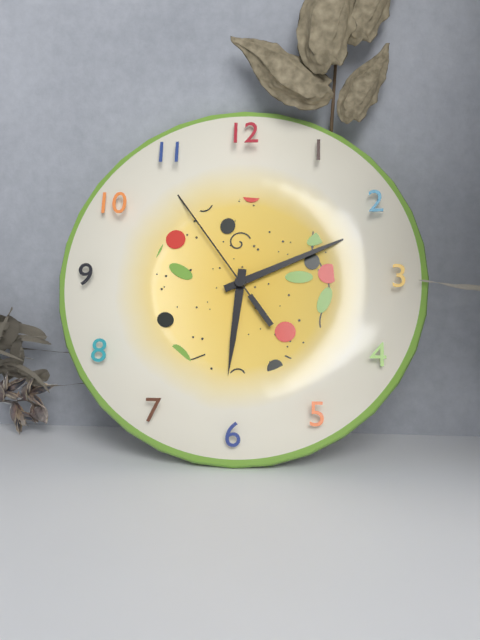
6:11:54
